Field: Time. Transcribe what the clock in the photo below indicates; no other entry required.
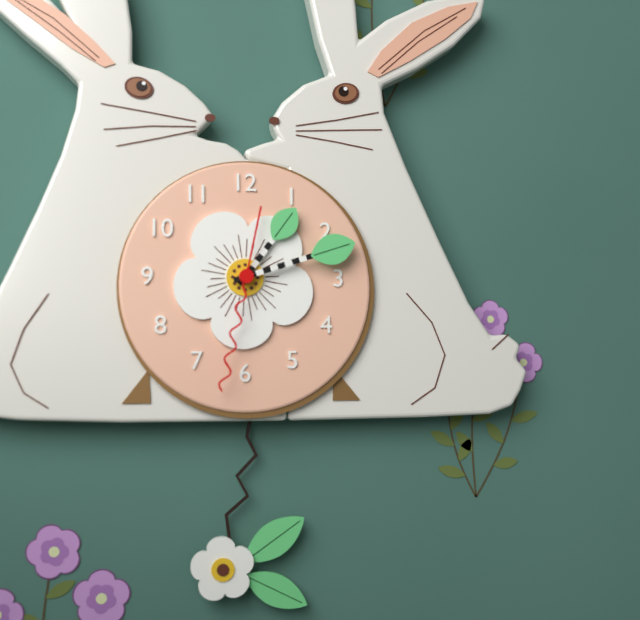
1:12:32
